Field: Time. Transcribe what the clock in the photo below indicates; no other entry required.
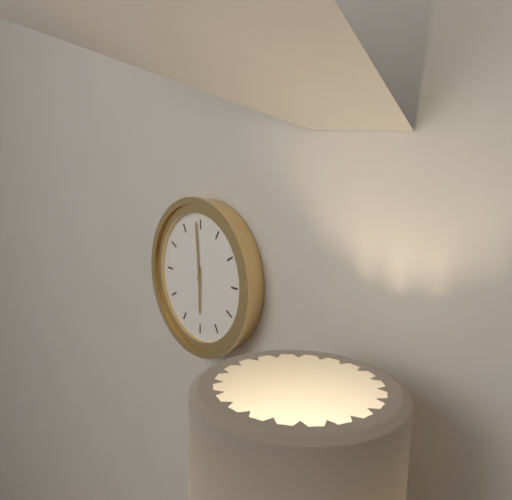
5:59
